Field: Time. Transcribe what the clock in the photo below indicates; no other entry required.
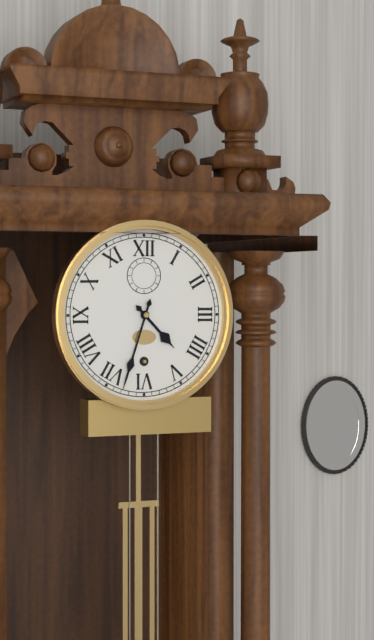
4:33
